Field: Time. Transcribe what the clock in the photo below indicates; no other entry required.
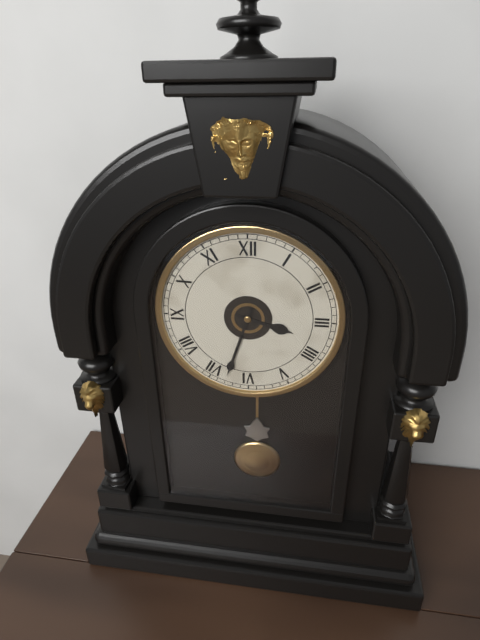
3:33
